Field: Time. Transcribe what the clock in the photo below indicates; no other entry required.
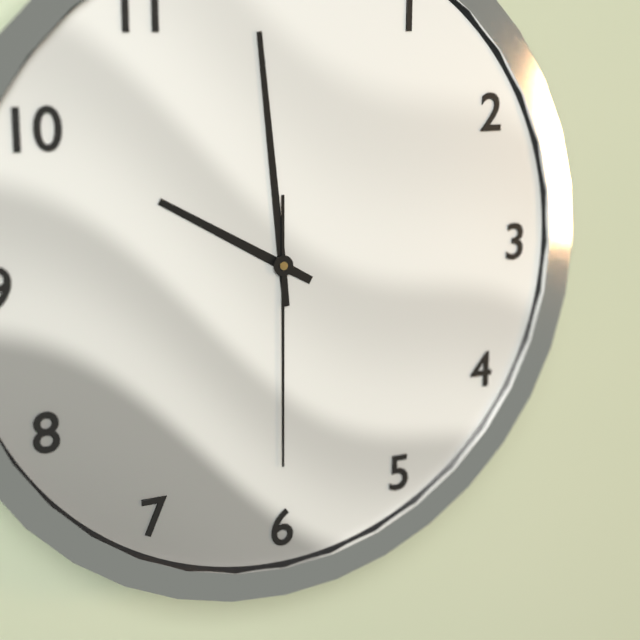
9:59:30
